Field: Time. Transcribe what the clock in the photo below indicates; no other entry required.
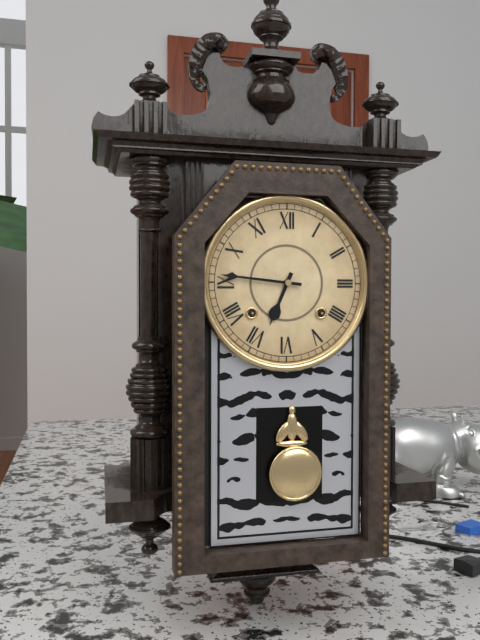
6:46
